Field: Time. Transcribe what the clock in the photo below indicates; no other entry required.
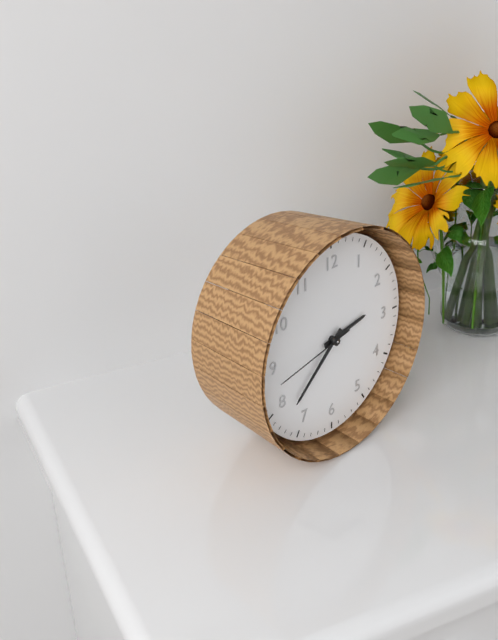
2:38:43
